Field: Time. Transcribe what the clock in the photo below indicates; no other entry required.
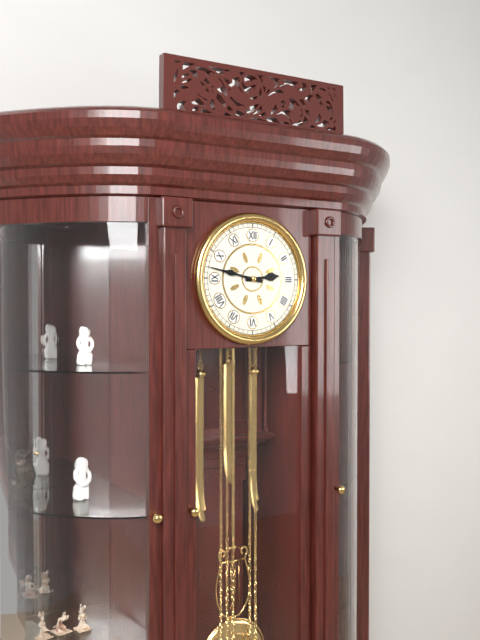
2:47
